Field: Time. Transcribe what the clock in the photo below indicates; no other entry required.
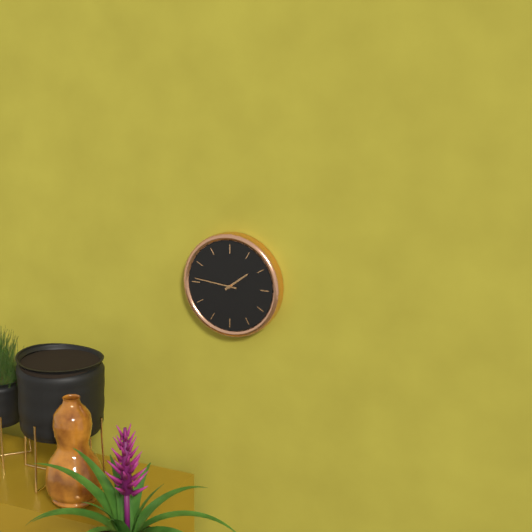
1:46
